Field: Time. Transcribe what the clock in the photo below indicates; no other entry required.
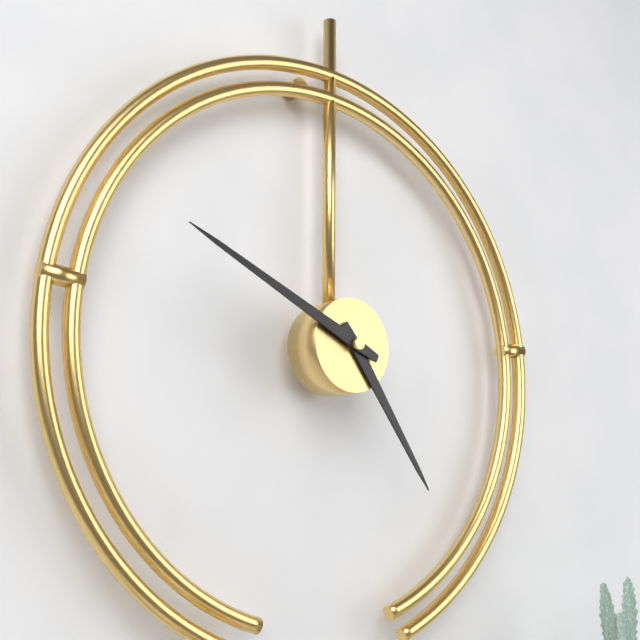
4:49
